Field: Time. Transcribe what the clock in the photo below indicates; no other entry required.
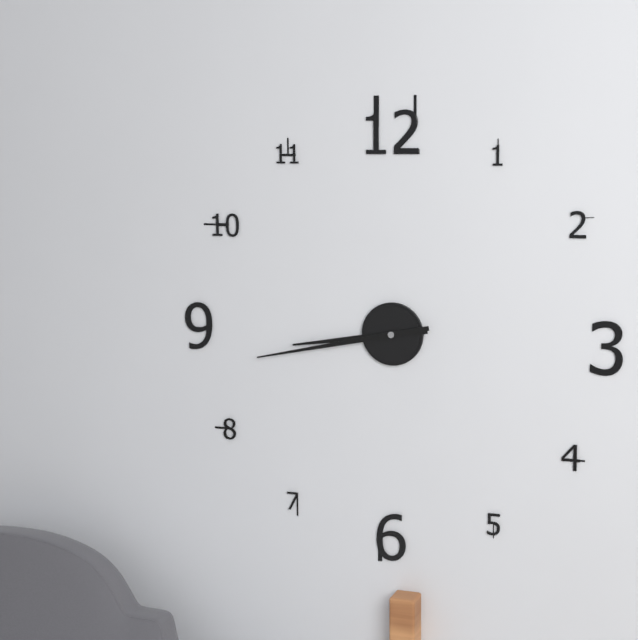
8:43
